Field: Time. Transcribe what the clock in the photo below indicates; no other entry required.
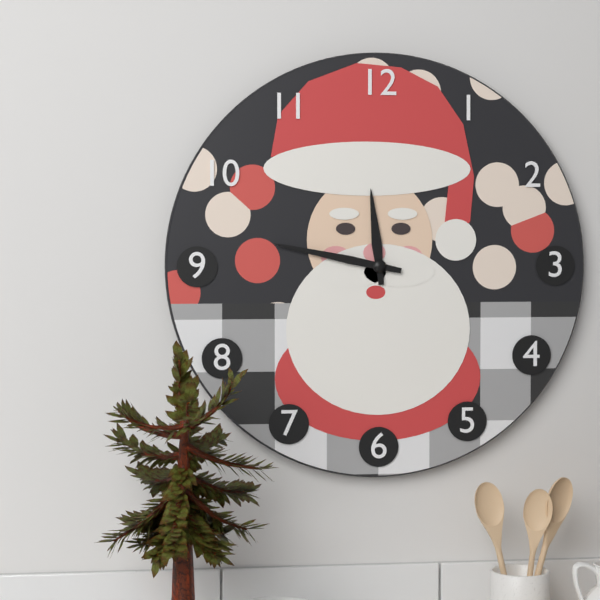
11:47
